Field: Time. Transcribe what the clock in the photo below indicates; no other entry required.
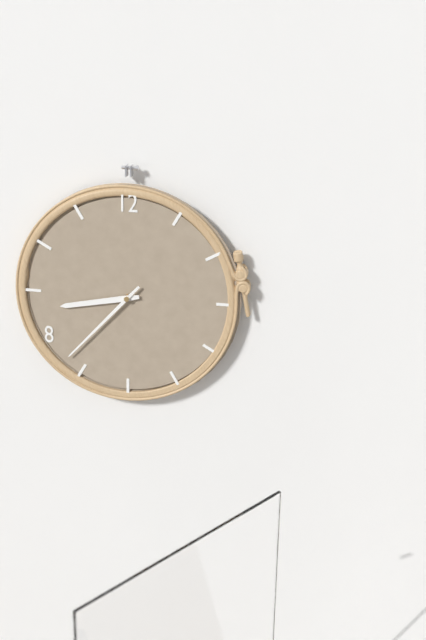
8:37
